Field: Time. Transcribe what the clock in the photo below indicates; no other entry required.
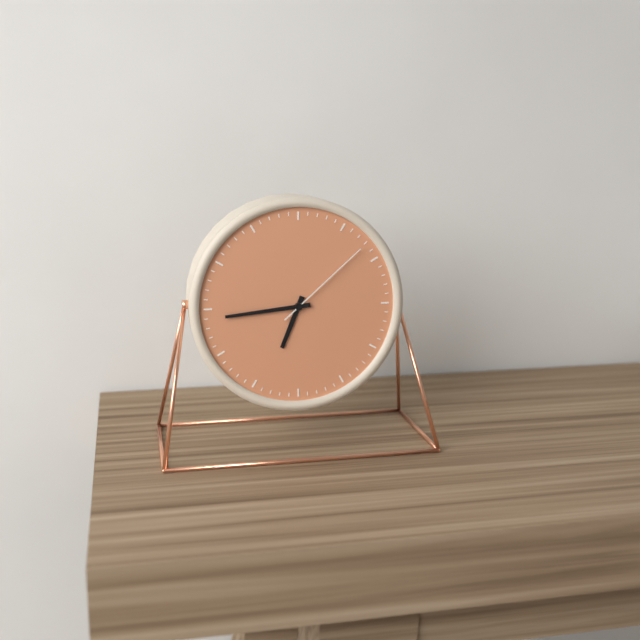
6:44:08
